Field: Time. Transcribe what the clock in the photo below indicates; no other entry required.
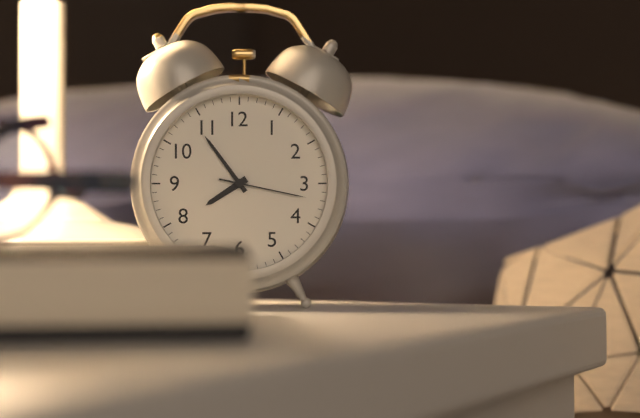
7:54:17
